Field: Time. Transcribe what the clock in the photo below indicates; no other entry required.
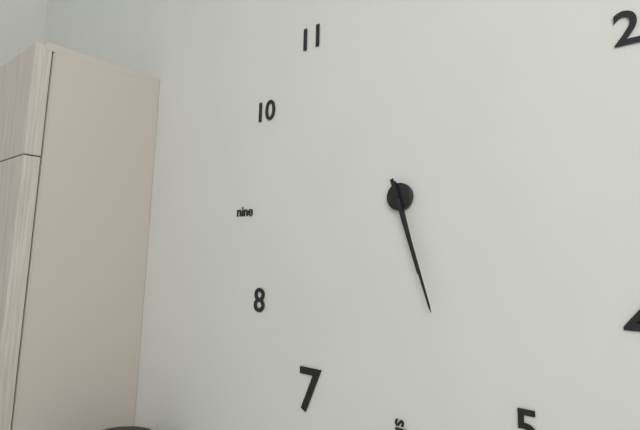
5:27
